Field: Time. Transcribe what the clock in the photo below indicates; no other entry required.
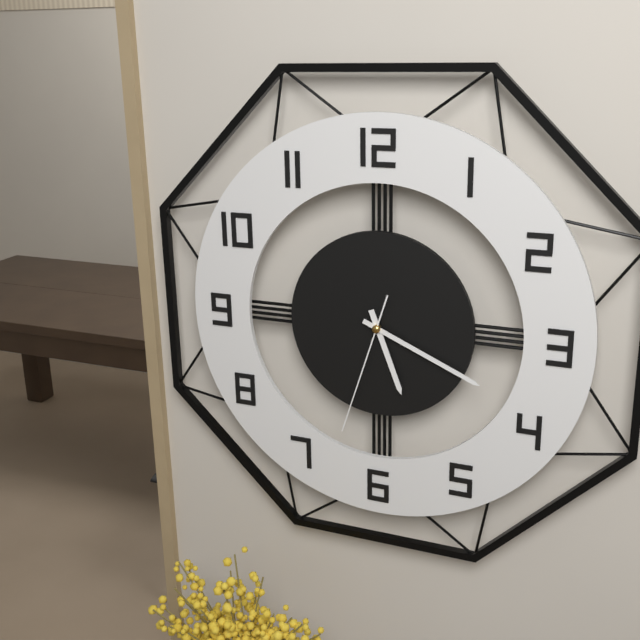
5:19:33
